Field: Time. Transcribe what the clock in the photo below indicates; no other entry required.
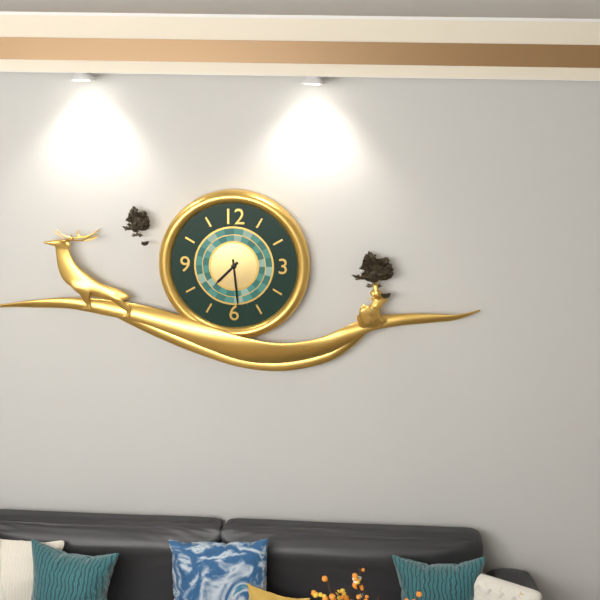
7:29
